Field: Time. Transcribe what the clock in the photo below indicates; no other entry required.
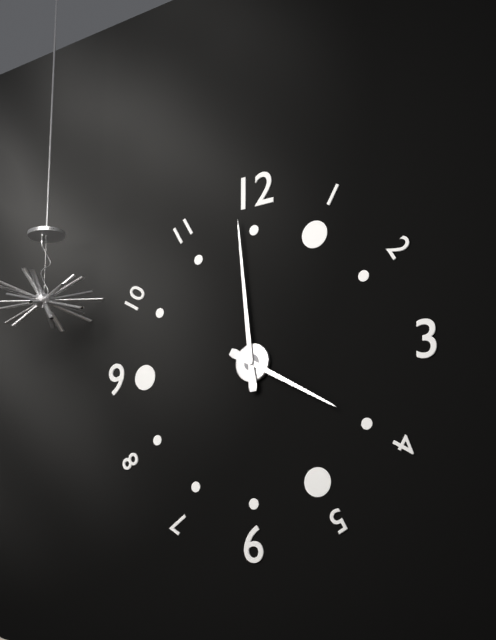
3:59
